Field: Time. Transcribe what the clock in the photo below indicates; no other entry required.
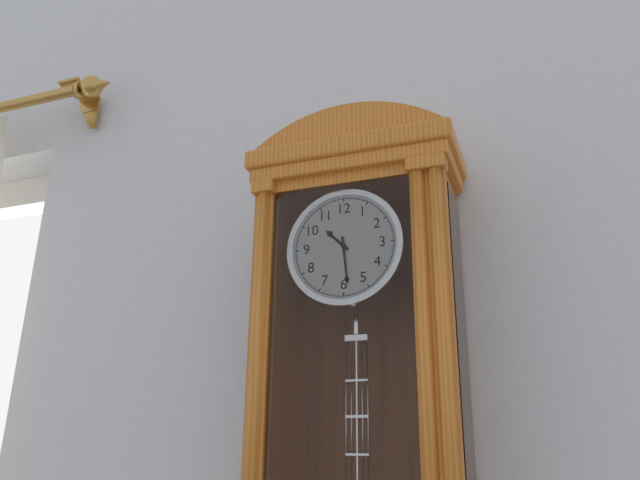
10:29
